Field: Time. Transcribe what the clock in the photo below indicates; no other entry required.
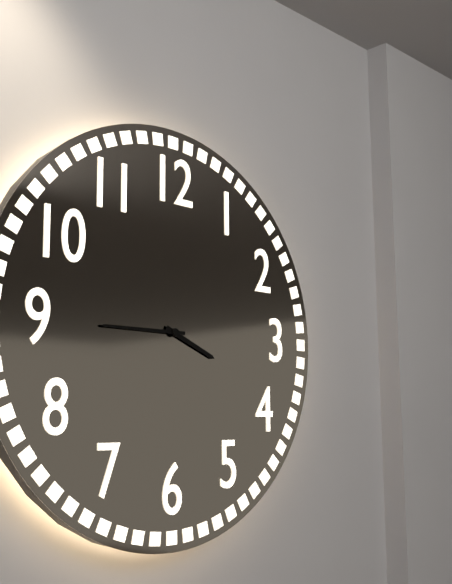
3:45
